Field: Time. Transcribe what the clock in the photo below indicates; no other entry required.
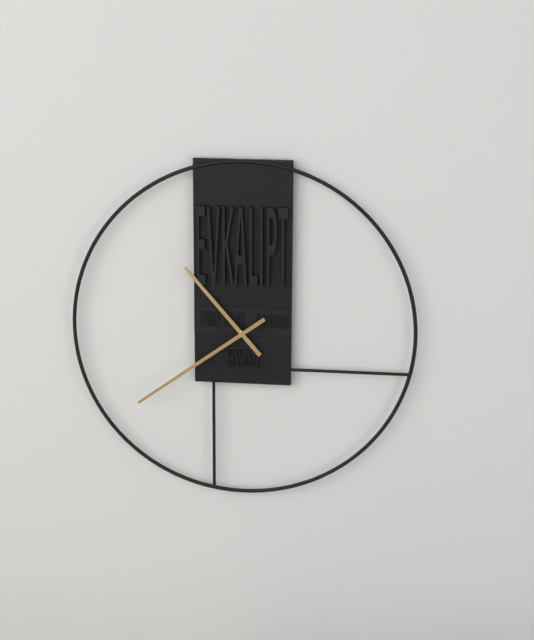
10:39
